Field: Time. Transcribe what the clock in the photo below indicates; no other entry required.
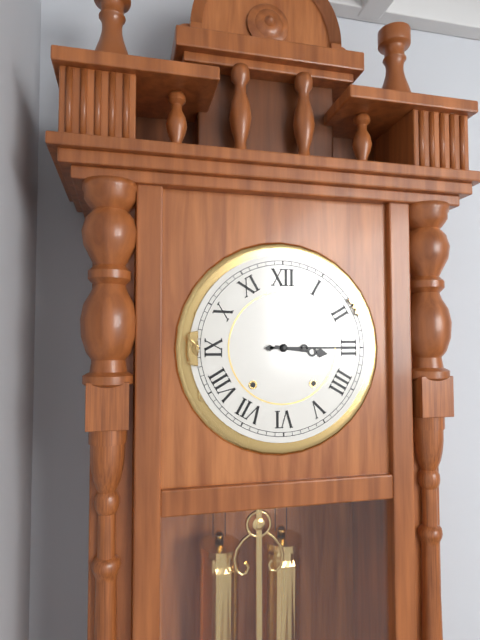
3:15
